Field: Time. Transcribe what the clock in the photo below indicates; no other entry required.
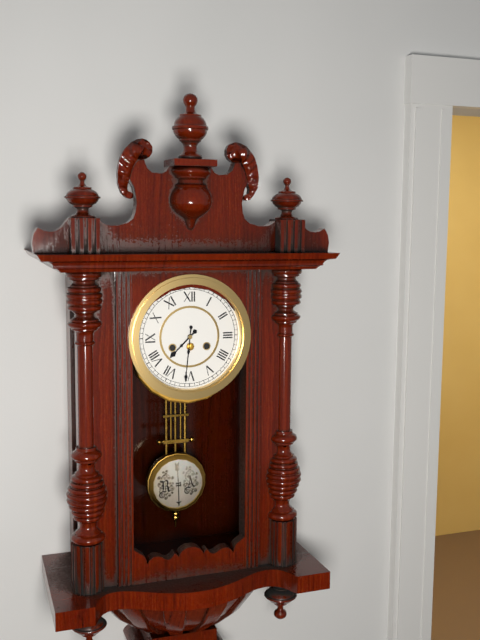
7:31
